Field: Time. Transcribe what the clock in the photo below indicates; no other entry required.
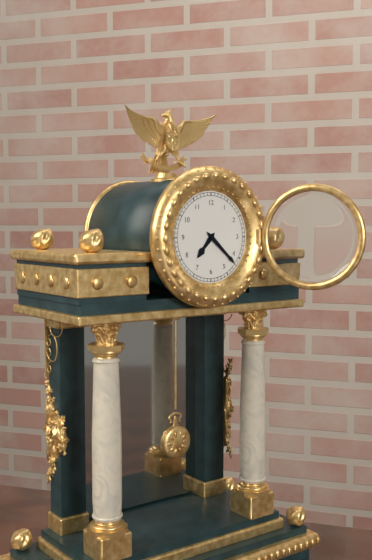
7:22
